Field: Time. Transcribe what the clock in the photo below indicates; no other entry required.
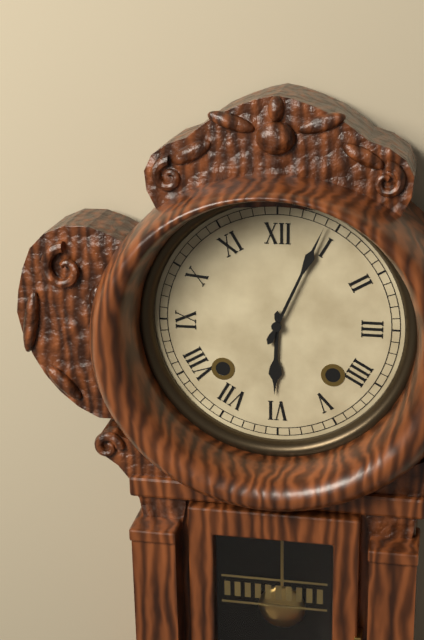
6:04
